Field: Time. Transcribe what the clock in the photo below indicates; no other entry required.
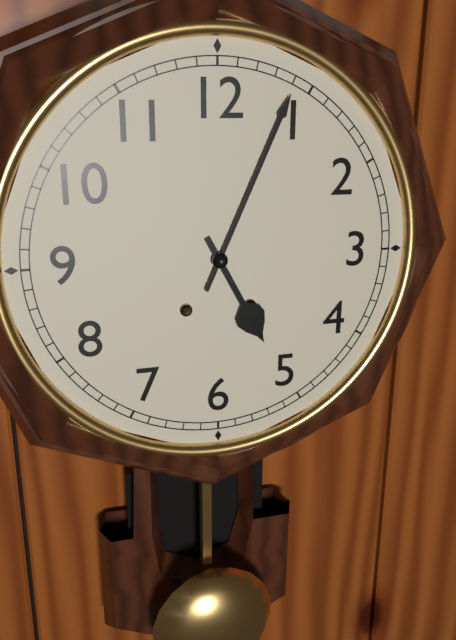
5:04
